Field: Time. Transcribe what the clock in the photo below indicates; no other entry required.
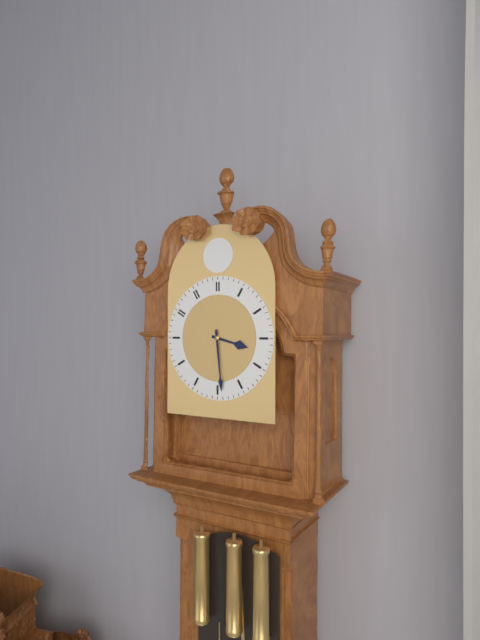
3:29
